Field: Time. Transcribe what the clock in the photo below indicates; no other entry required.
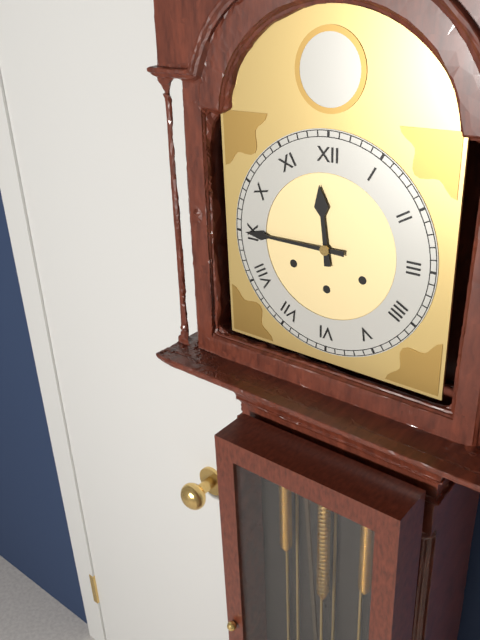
11:45
